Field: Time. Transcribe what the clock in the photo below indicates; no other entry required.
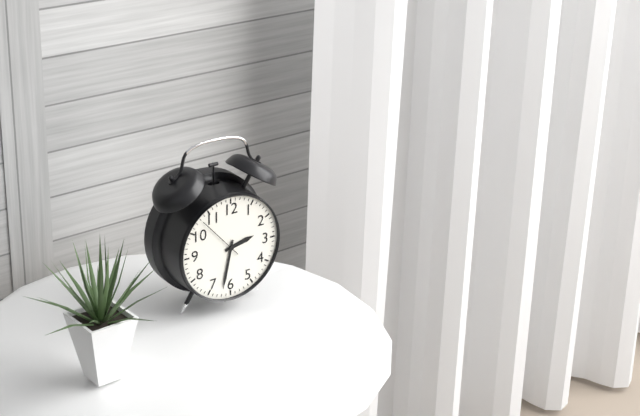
2:32
